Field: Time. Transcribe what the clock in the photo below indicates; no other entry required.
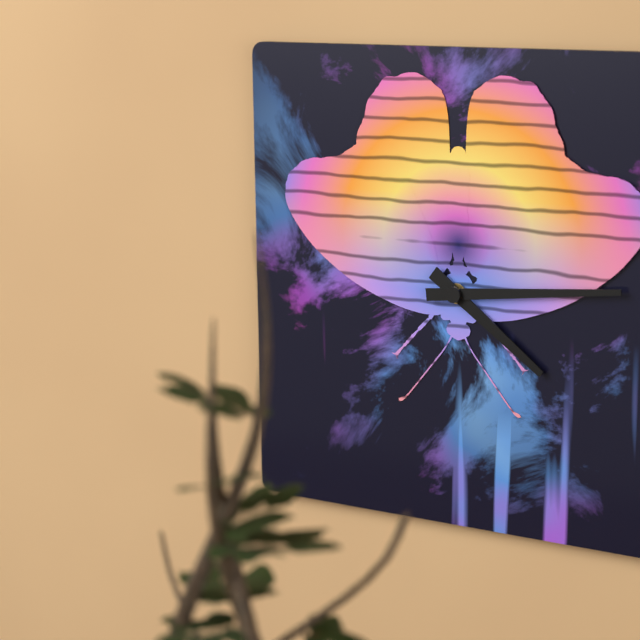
4:14
